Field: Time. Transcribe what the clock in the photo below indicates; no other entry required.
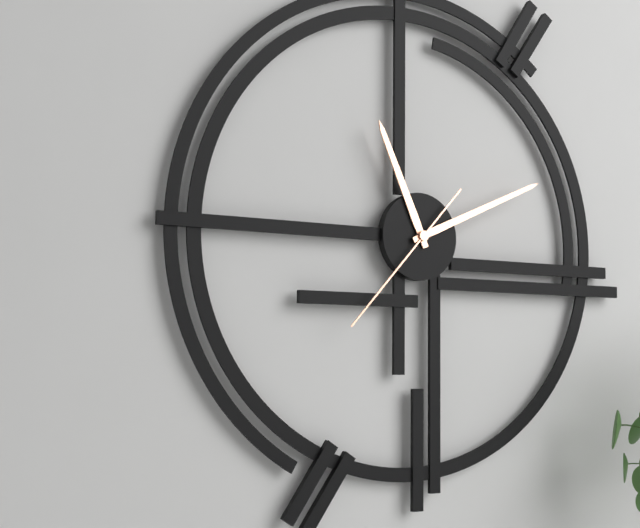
11:11:37
